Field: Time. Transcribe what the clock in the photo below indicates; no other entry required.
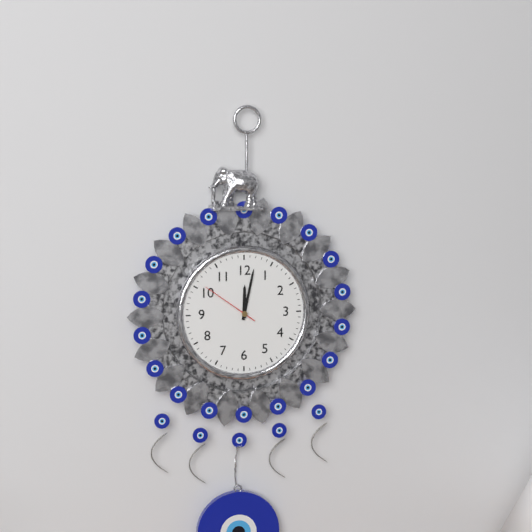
12:02:51
